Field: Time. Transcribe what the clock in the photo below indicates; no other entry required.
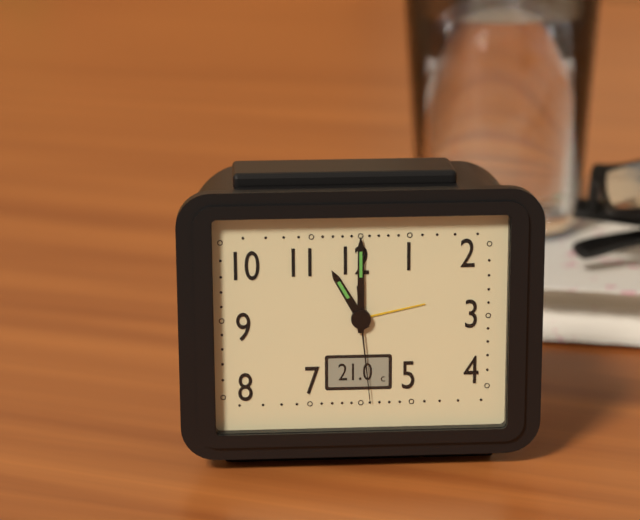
11:00:29
